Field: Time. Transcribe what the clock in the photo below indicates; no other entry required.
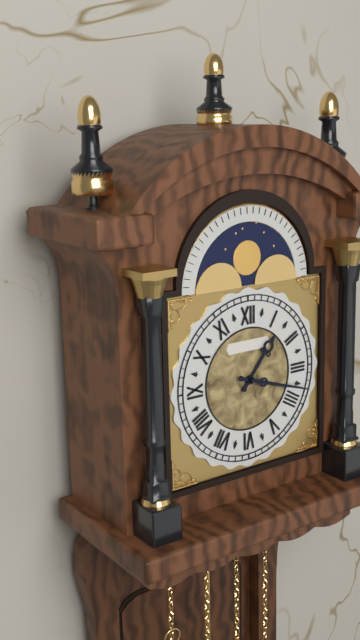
1:18
